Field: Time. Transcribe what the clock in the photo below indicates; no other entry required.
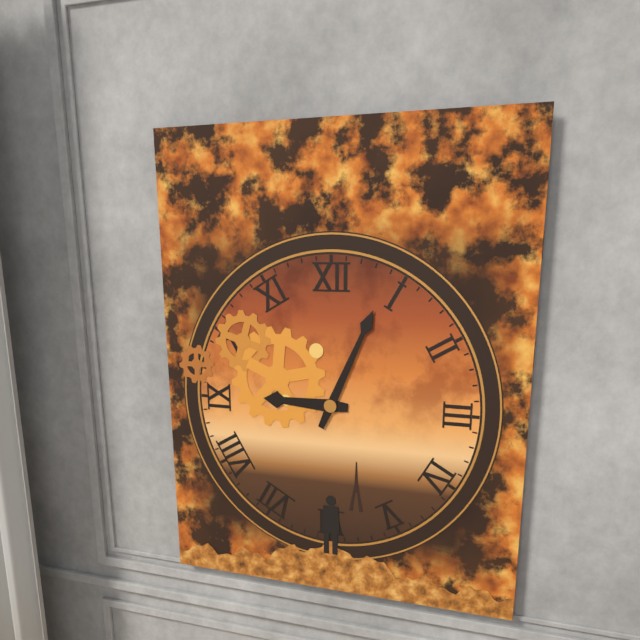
9:04
